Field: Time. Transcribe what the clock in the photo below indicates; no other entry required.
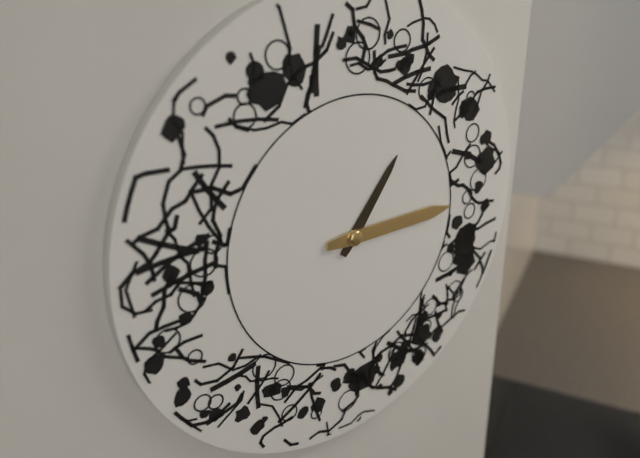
1:15
